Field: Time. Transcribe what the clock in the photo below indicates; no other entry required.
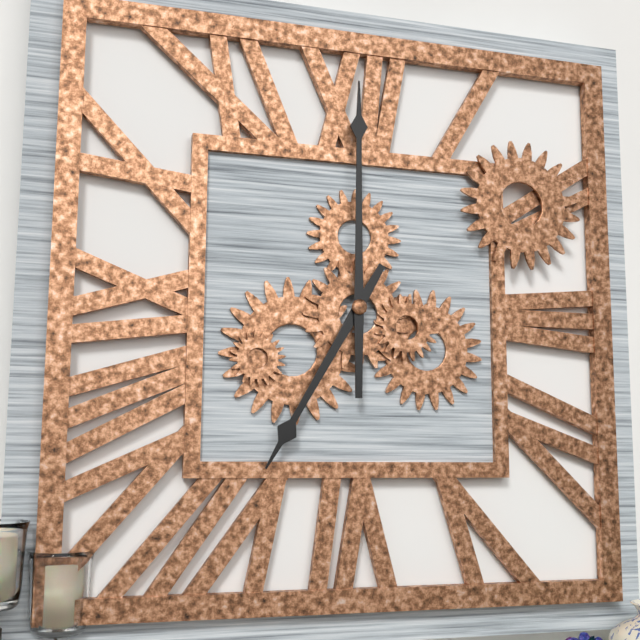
7:00
